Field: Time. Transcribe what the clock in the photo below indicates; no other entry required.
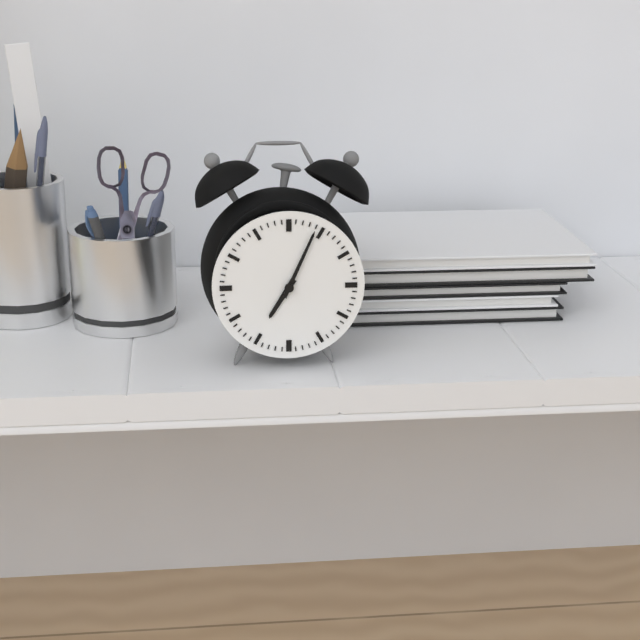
7:04
